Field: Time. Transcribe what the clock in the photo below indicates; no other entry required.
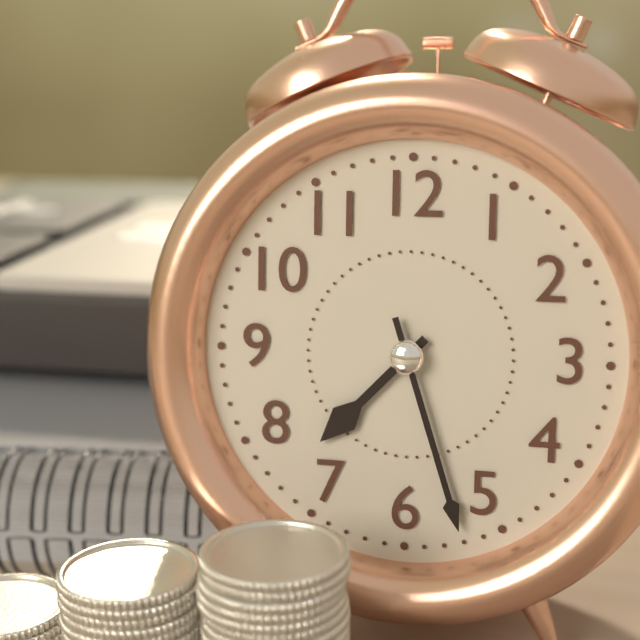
7:27
